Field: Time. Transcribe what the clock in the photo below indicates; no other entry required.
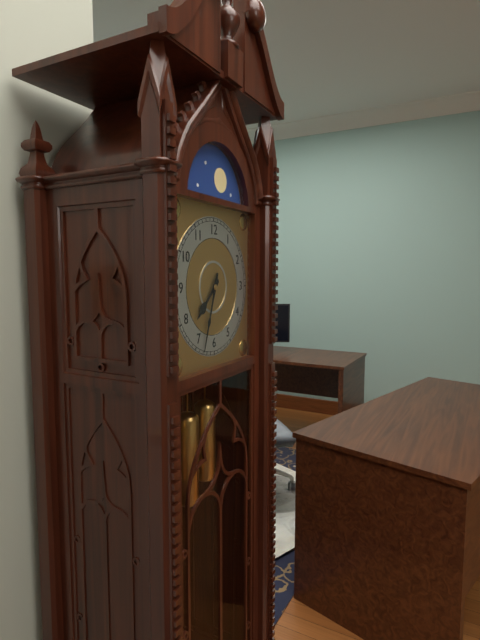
7:33
